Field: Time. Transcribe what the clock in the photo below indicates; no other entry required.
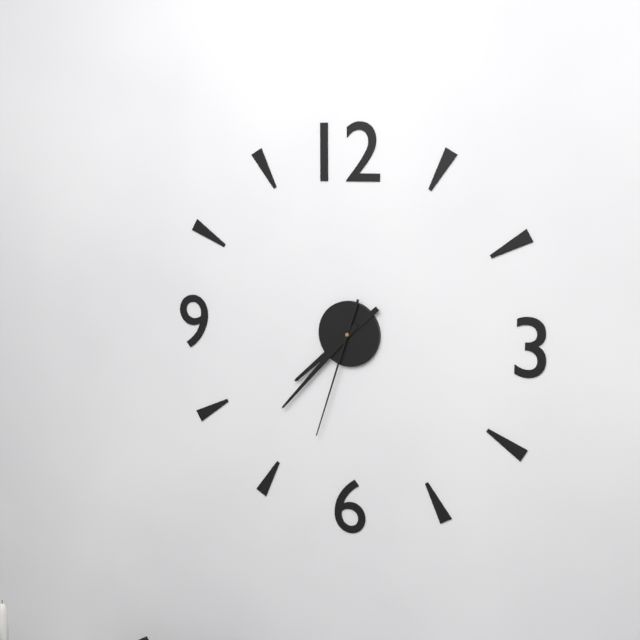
7:37:33
